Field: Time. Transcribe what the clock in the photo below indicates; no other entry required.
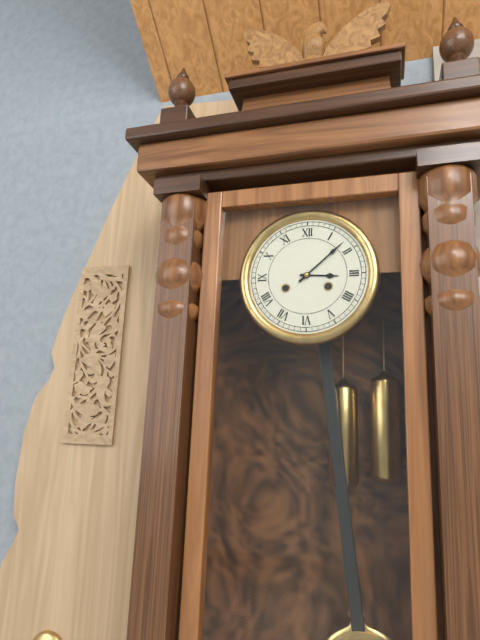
3:08
